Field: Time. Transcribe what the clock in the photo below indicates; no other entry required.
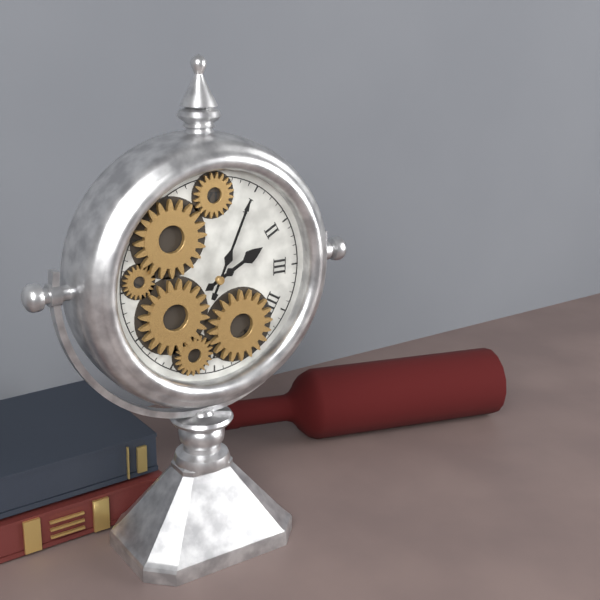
2:04
